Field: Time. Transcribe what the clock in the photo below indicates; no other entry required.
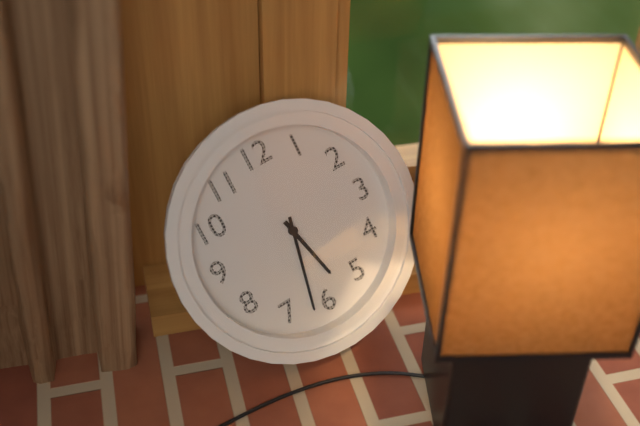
5:32
